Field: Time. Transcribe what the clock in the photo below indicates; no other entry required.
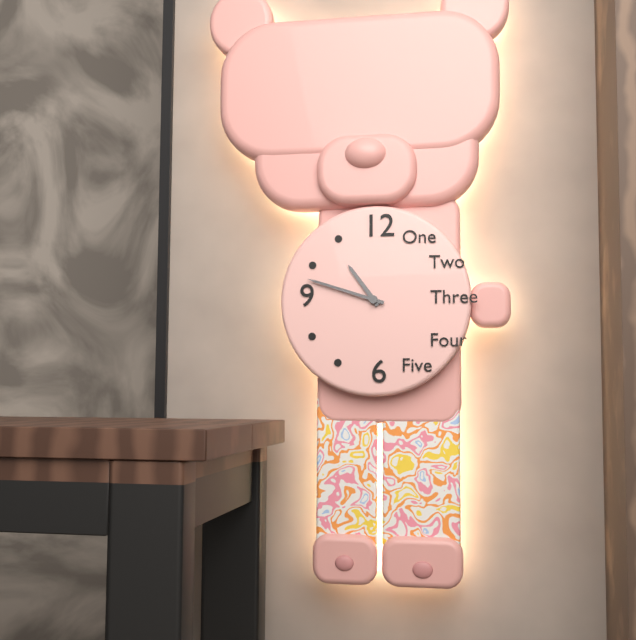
10:48
